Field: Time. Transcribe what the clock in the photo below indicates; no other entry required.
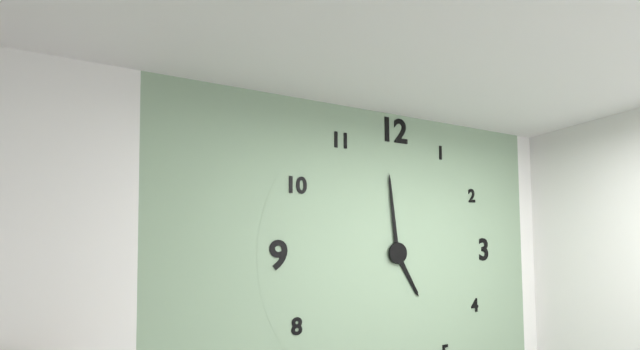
4:59
